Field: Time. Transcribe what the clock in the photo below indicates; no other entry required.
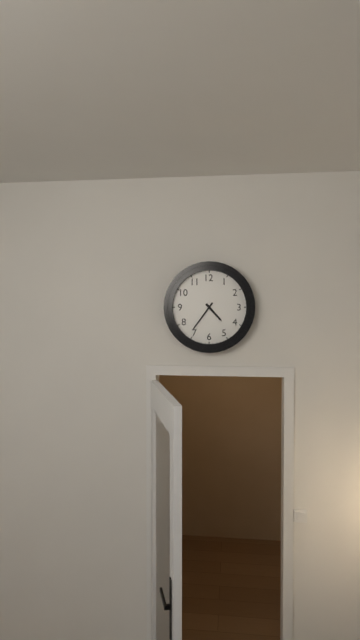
4:36
